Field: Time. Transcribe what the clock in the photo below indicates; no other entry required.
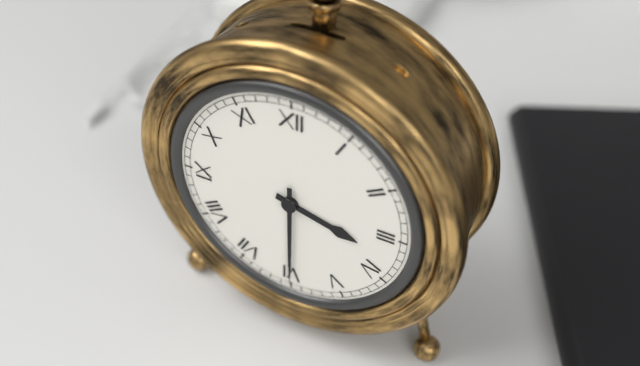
3:30
